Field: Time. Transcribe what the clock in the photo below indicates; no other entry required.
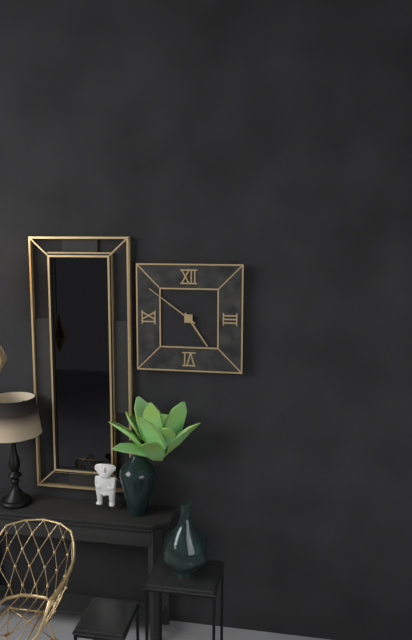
4:51
